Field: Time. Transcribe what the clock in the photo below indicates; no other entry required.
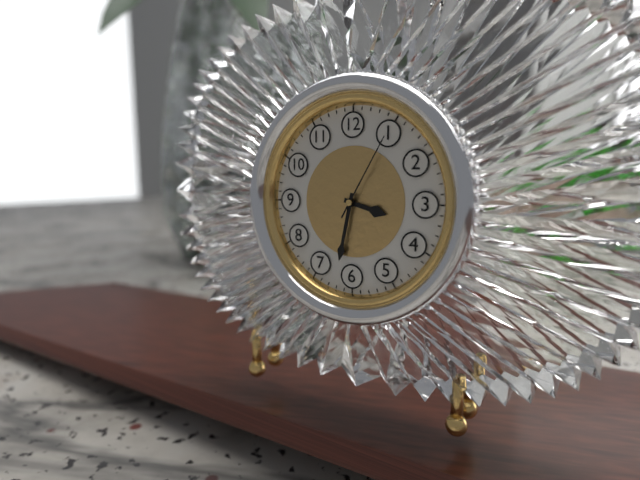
3:32:05
